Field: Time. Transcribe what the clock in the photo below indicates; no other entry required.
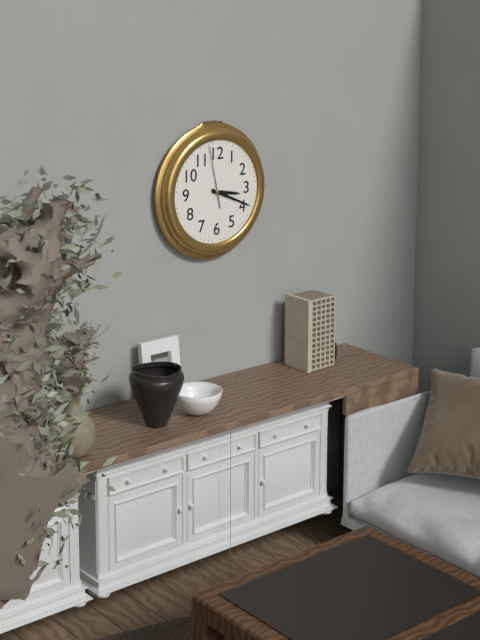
3:19:58
